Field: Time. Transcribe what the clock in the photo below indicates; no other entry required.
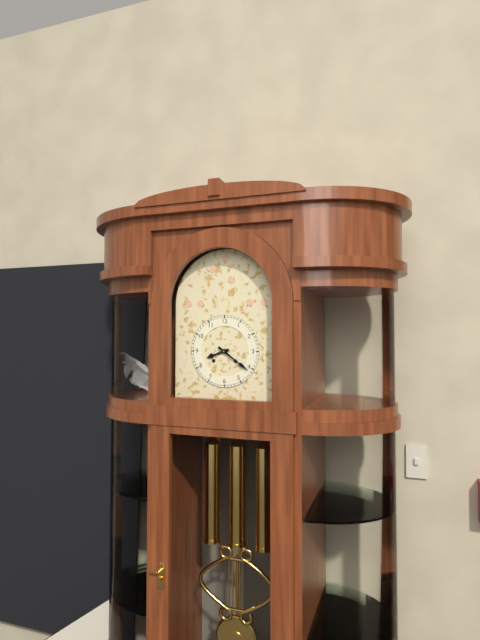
8:21
